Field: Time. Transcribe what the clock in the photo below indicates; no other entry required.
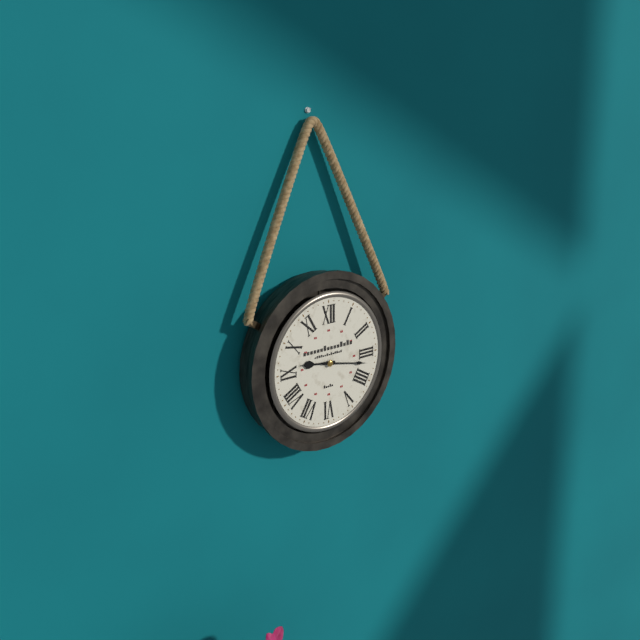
9:17
